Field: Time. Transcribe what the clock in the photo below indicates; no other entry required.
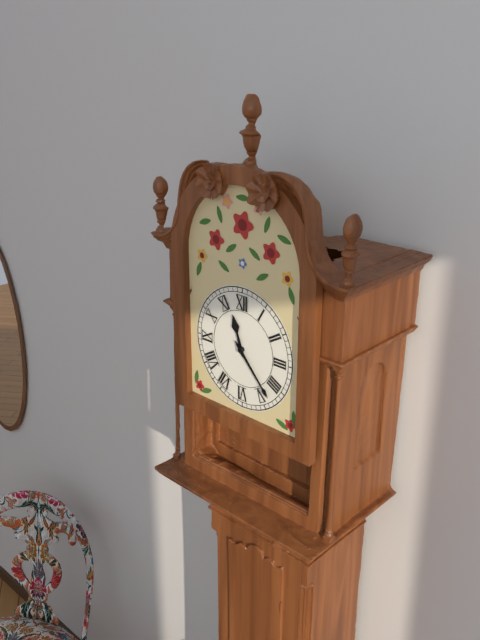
11:23
